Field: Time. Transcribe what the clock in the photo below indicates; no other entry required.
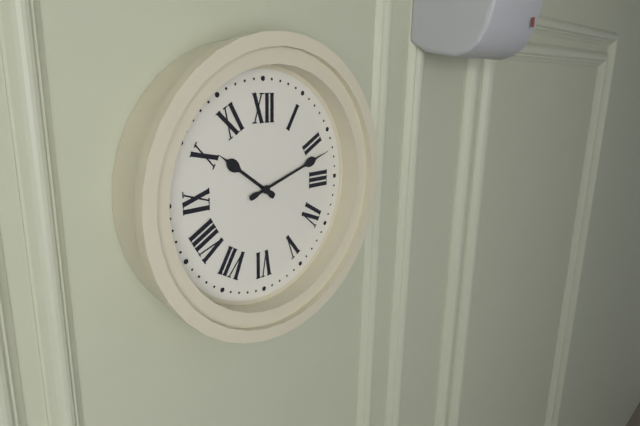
10:12
